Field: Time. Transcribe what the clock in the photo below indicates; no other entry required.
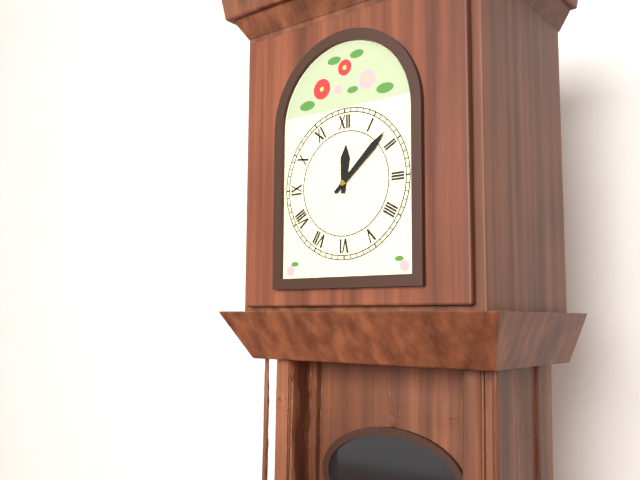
12:08
